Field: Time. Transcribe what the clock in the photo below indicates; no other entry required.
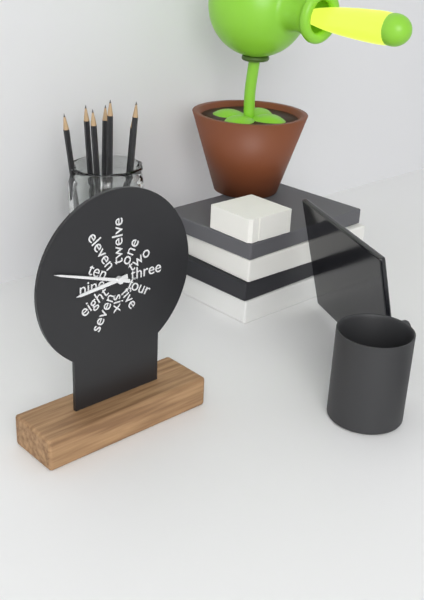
8:48
